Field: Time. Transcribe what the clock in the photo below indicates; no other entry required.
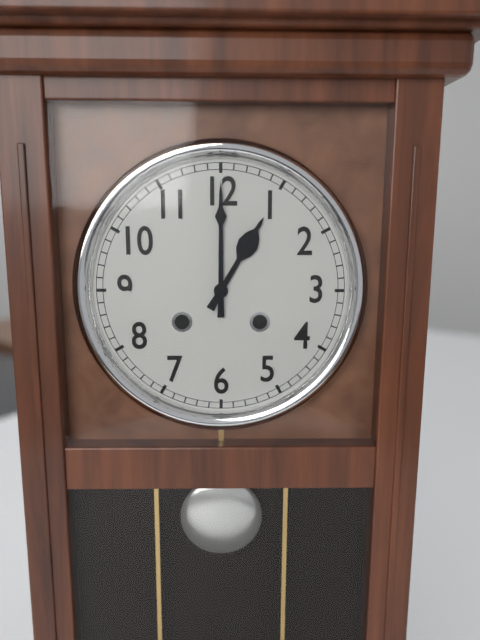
1:00
